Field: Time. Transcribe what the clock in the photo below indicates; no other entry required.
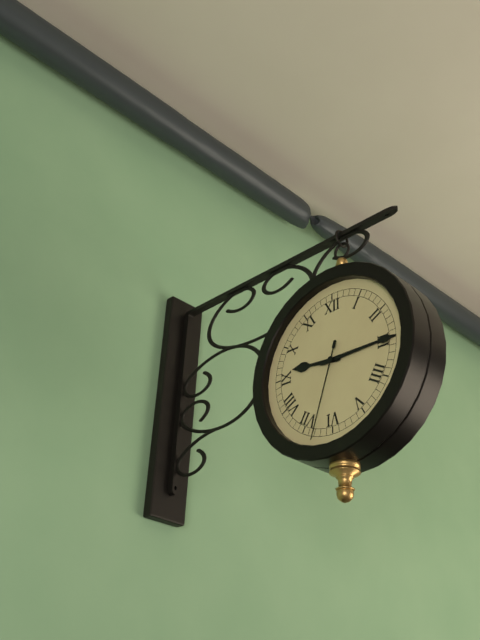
9:15:33
